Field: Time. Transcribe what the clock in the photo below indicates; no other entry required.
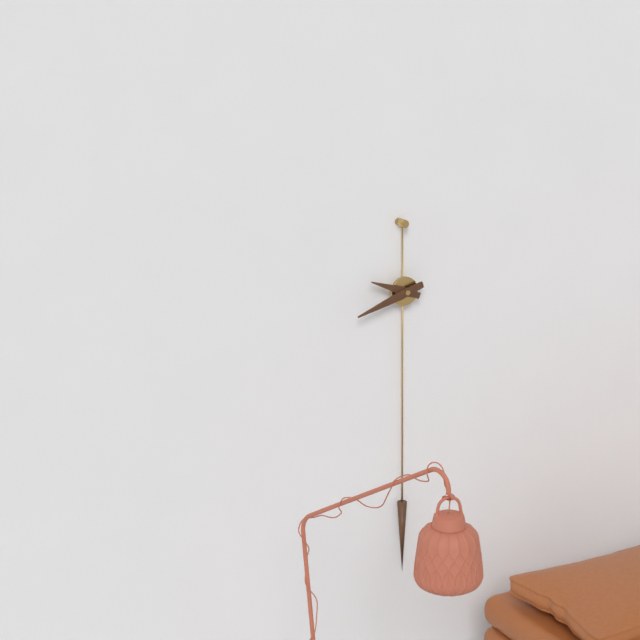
9:42
